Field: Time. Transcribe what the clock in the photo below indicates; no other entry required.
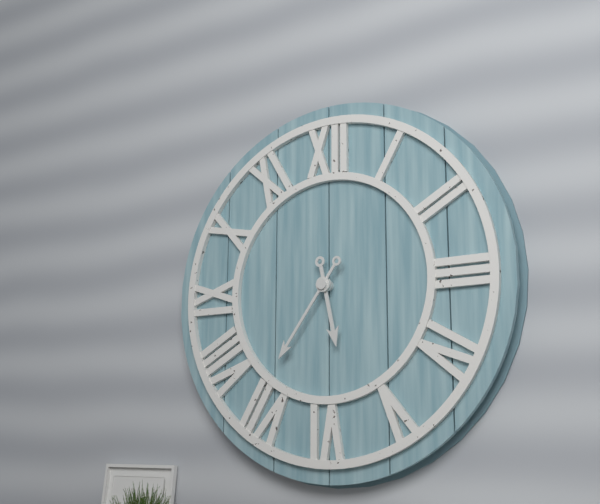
5:36
